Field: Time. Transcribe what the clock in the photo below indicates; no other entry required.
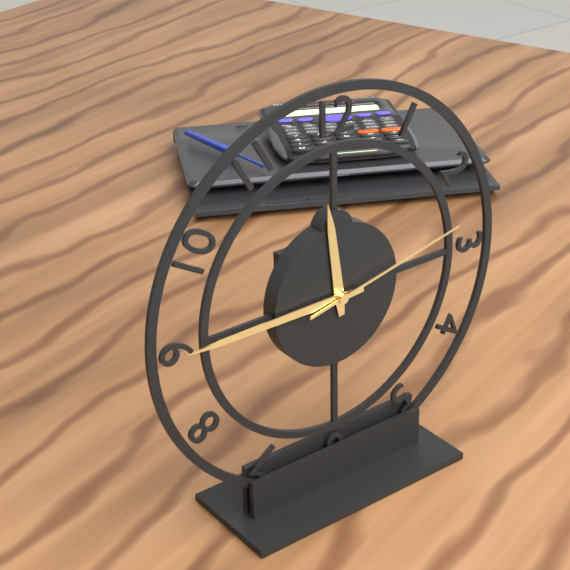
11:45:13
